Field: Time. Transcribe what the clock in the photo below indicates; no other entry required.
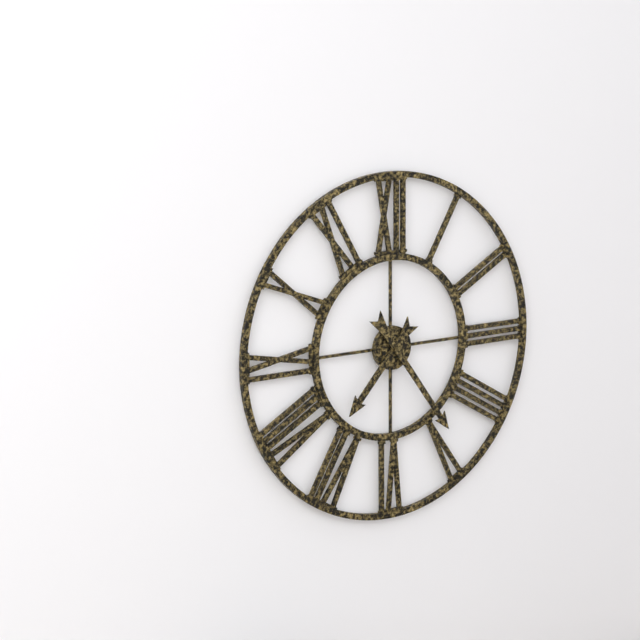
7:24
